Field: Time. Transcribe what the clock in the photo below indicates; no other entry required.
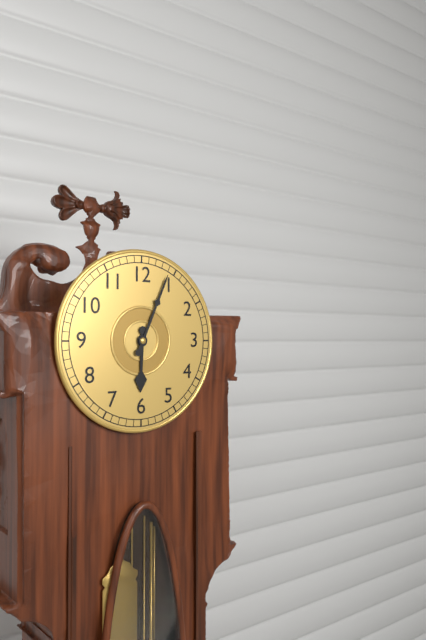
6:04
